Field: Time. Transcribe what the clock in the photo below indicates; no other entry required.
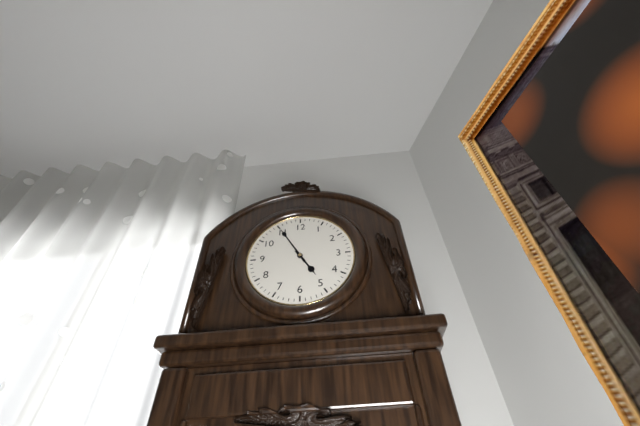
4:55
